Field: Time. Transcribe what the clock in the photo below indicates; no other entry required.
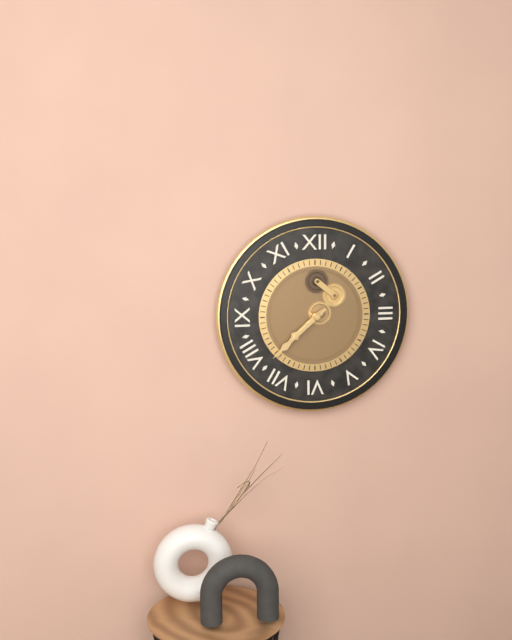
7:38
